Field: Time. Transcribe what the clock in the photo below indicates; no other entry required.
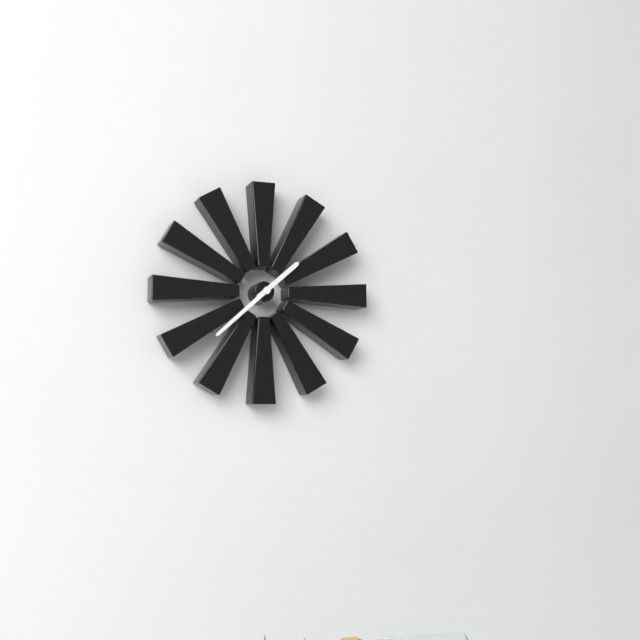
1:38
